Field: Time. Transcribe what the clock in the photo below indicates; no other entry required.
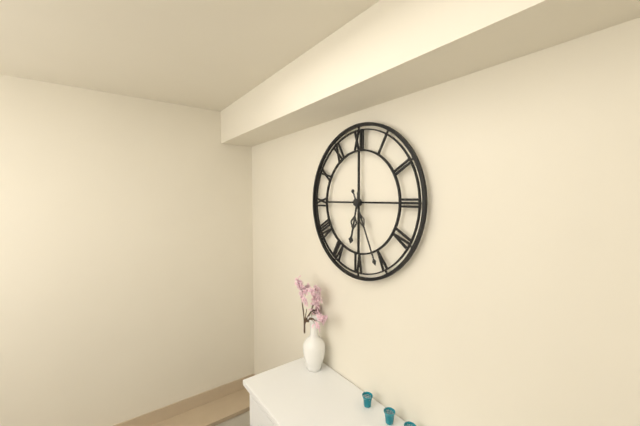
6:26
